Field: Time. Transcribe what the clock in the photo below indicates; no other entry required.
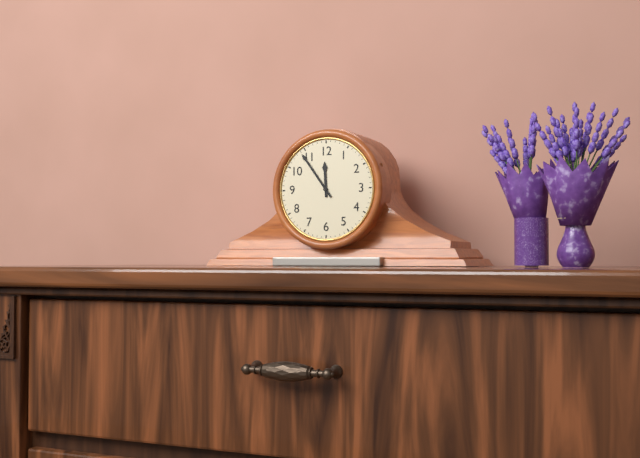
11:54
